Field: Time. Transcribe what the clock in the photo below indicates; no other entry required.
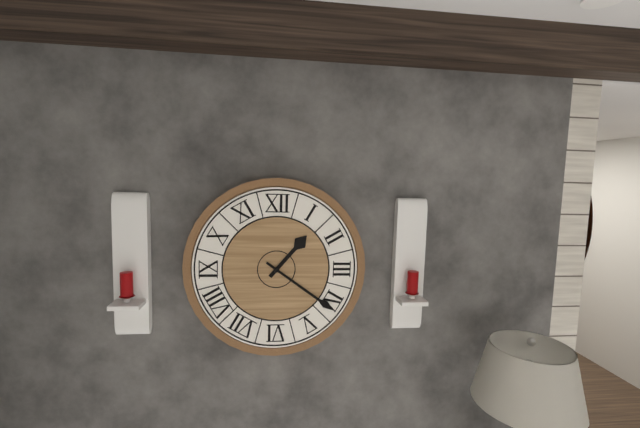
1:21
